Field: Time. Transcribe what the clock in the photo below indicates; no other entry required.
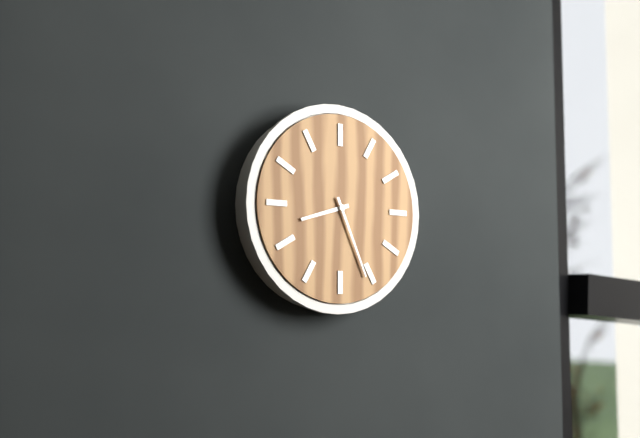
8:26
